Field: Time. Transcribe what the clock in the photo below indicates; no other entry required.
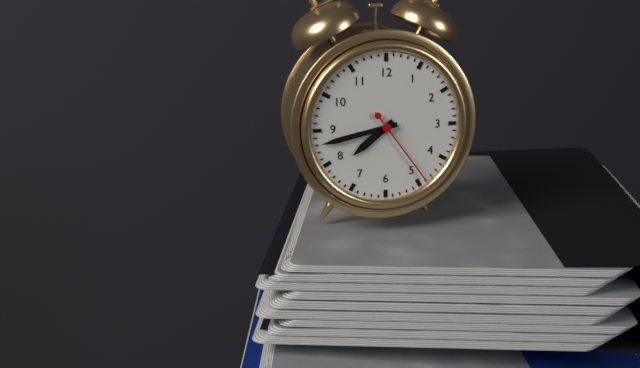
7:43:24
